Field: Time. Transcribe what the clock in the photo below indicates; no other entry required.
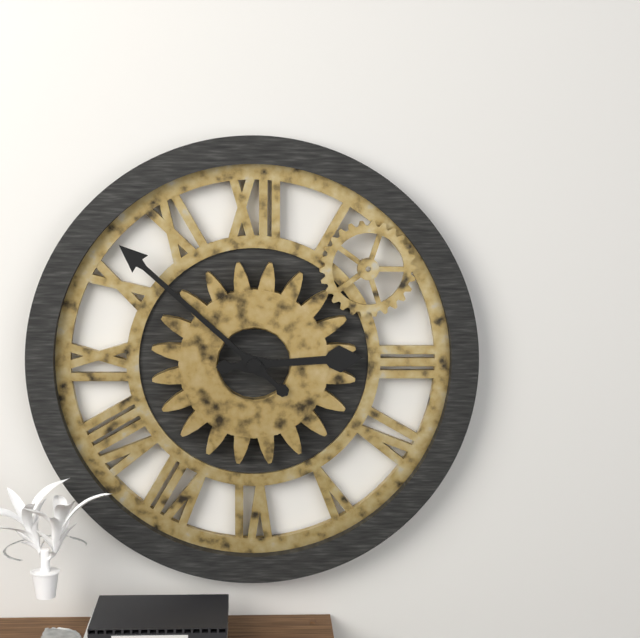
2:52
